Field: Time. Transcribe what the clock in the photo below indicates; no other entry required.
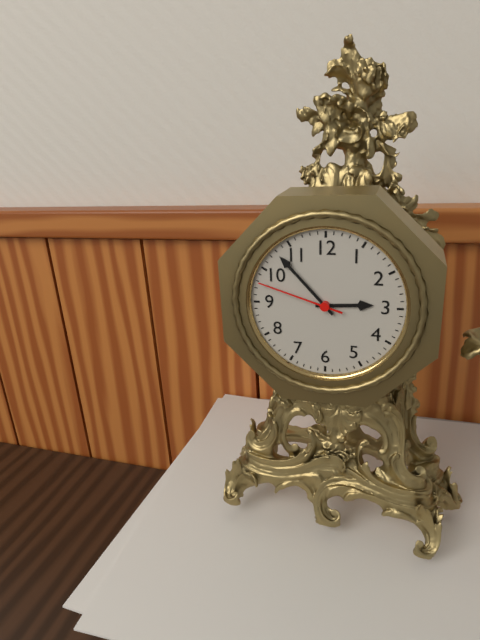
2:53:48
